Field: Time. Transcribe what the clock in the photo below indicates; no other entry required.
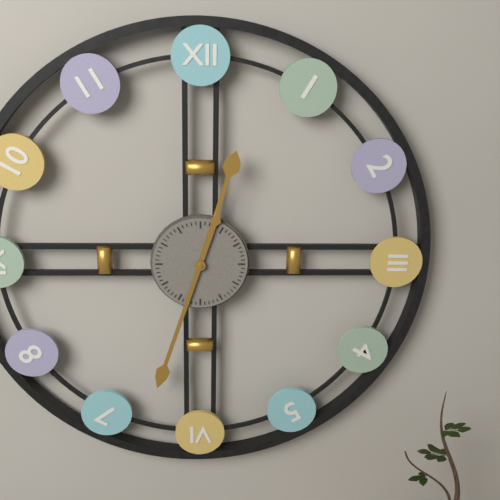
12:33
